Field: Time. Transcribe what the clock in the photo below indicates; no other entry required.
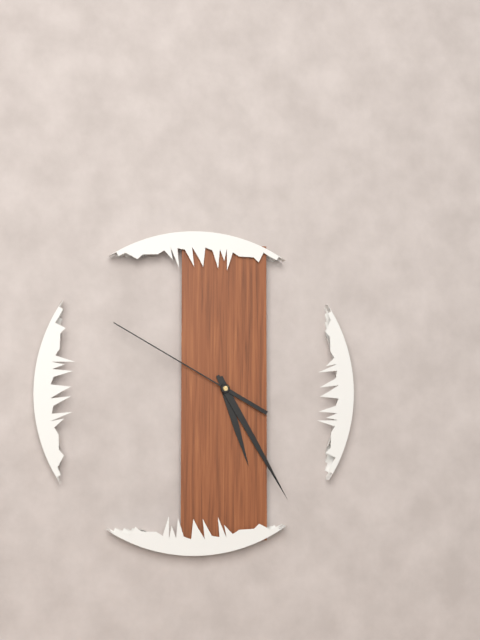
5:25:50
